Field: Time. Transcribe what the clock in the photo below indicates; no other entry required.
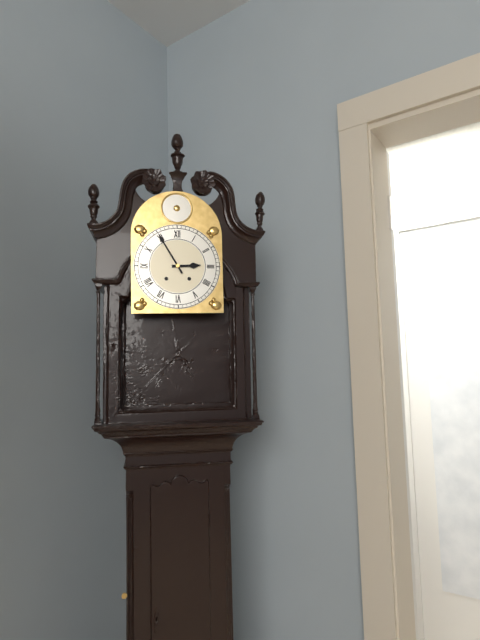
2:55
